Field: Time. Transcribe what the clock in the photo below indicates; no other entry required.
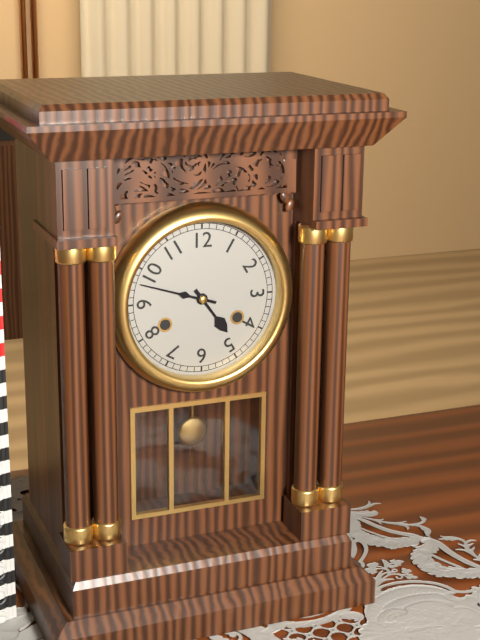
4:48
